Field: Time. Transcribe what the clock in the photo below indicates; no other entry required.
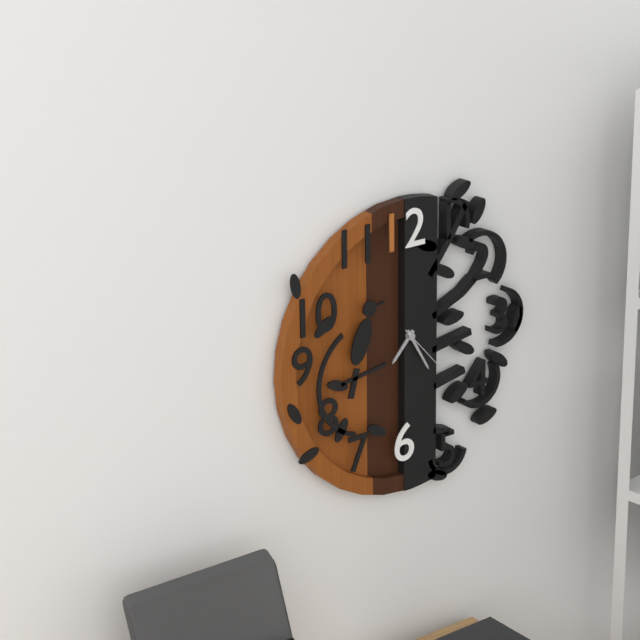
7:25:23
